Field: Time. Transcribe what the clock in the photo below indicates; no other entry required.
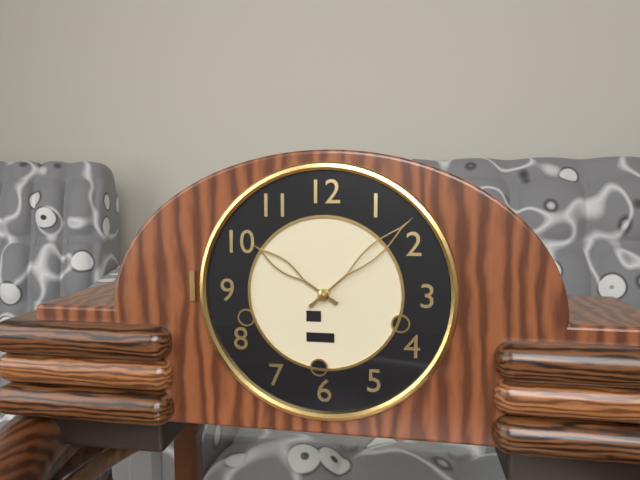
10:08
